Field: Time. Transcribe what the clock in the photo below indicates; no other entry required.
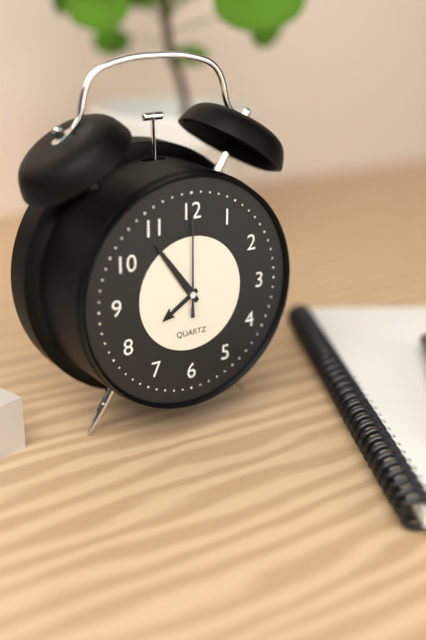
7:54:00
